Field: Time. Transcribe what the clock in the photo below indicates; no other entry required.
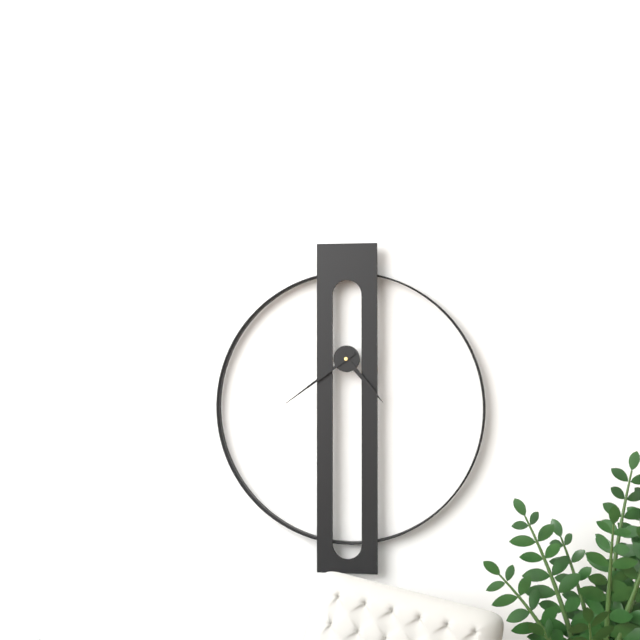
4:39
